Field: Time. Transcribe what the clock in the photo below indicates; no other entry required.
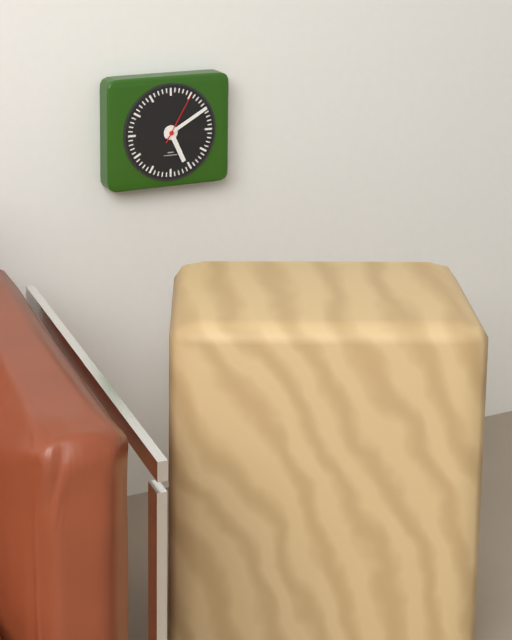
5:10:05
